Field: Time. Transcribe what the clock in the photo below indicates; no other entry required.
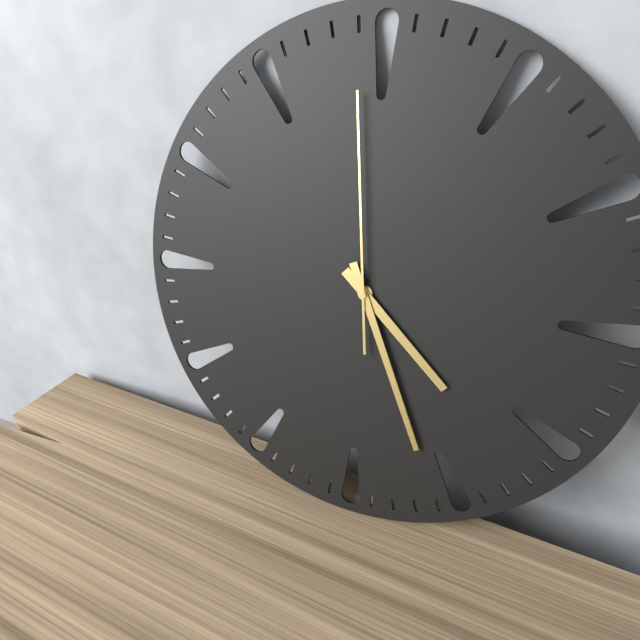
4:26:59
